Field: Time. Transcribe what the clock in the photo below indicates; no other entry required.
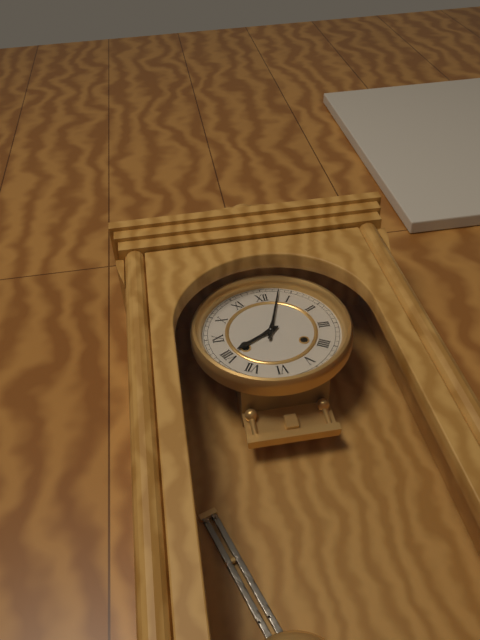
8:03
